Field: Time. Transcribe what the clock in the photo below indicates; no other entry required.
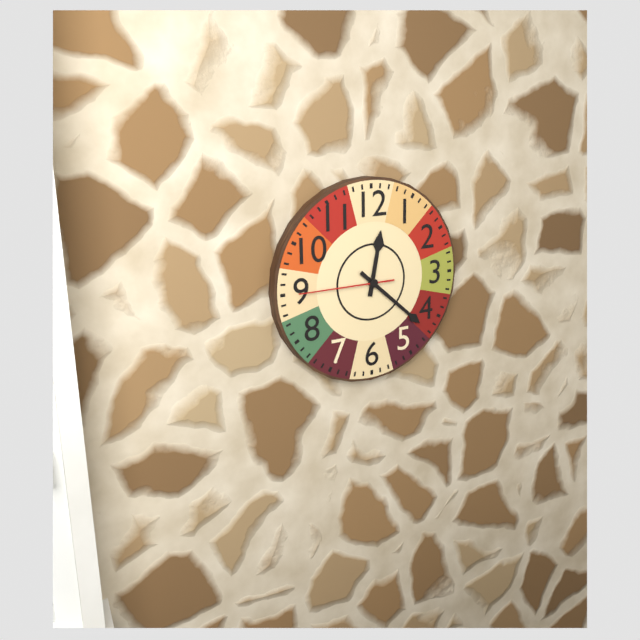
12:22:45
